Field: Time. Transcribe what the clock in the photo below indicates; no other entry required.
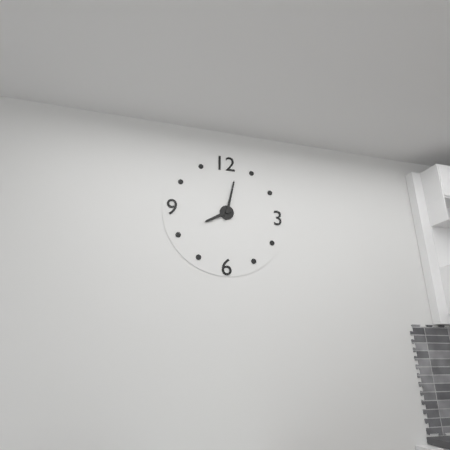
8:02
